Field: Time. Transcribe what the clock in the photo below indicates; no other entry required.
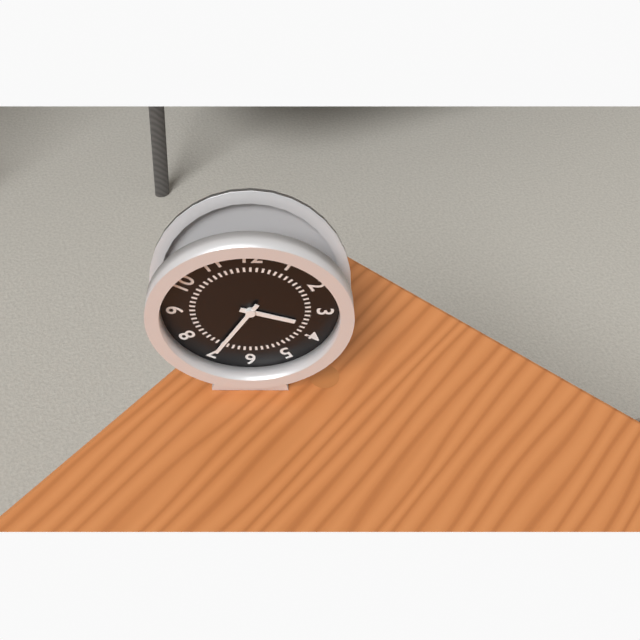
3:35
